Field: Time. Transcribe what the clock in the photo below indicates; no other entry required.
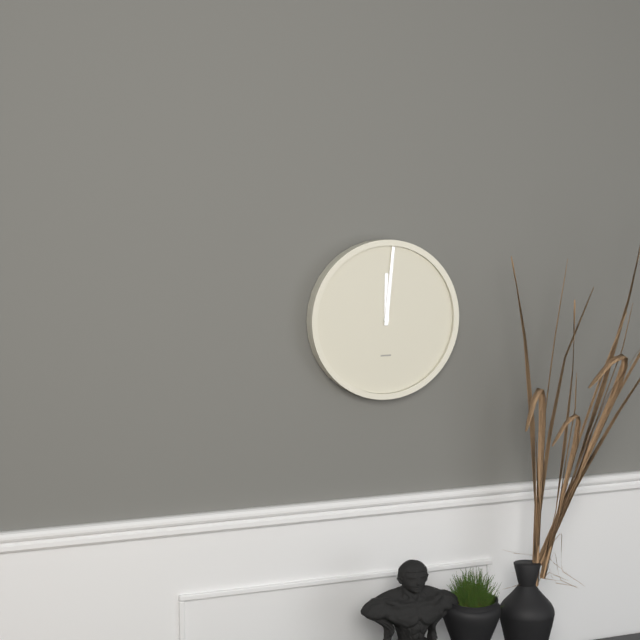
12:01
